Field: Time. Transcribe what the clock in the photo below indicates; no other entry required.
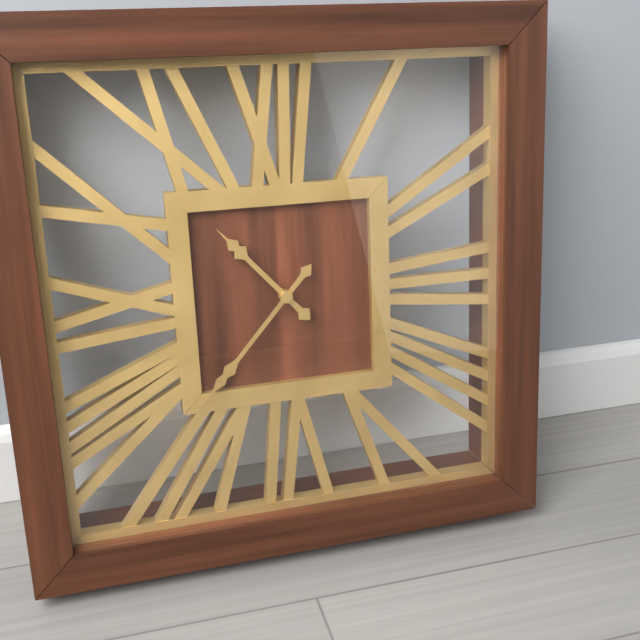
10:37
